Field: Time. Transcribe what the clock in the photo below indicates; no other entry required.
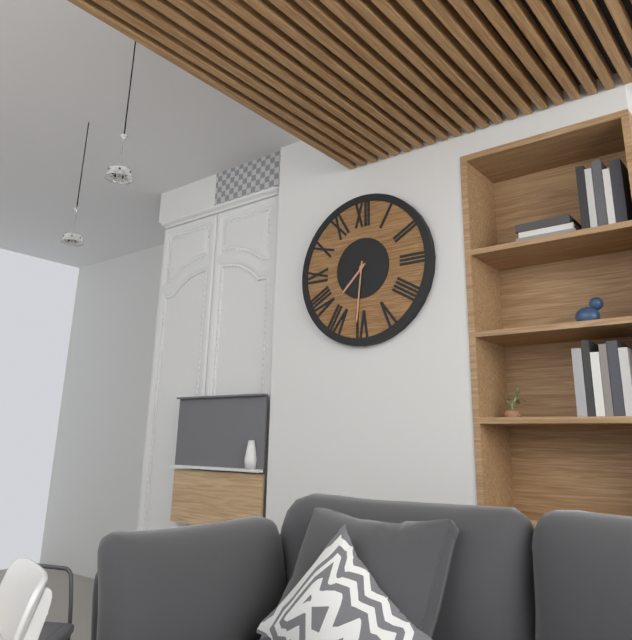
7:31
